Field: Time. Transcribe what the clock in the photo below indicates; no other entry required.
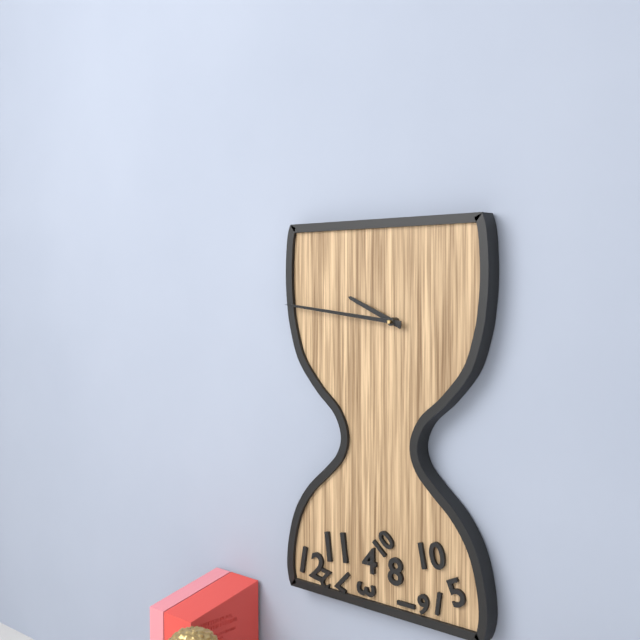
9:46
